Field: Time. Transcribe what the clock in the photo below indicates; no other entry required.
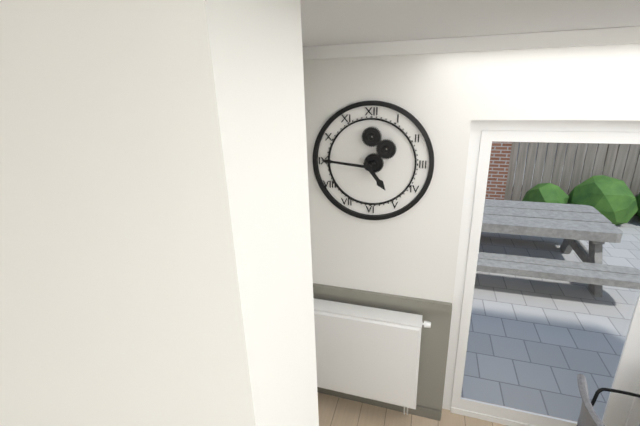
4:46
